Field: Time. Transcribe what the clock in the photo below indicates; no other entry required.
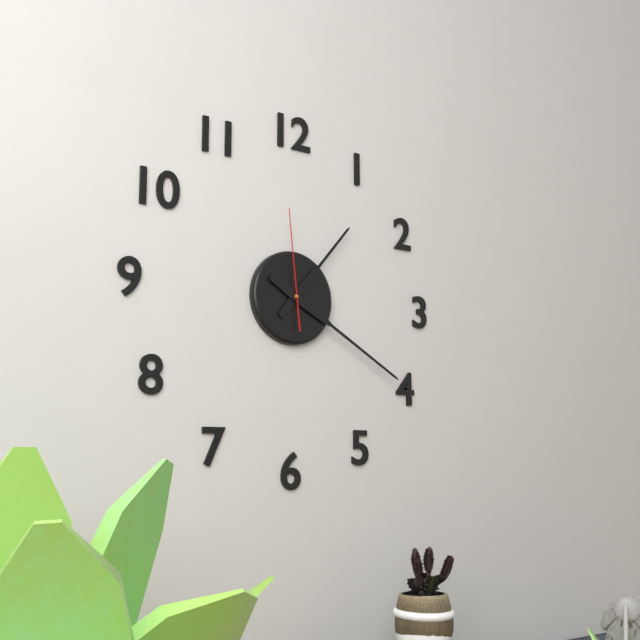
1:20:59
